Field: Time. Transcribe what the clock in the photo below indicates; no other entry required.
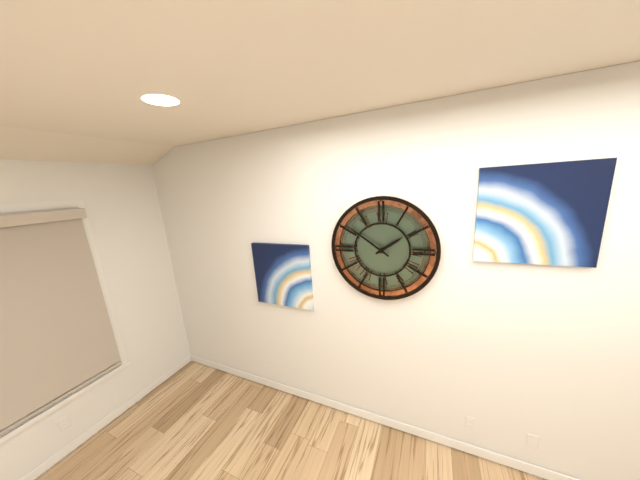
1:51
